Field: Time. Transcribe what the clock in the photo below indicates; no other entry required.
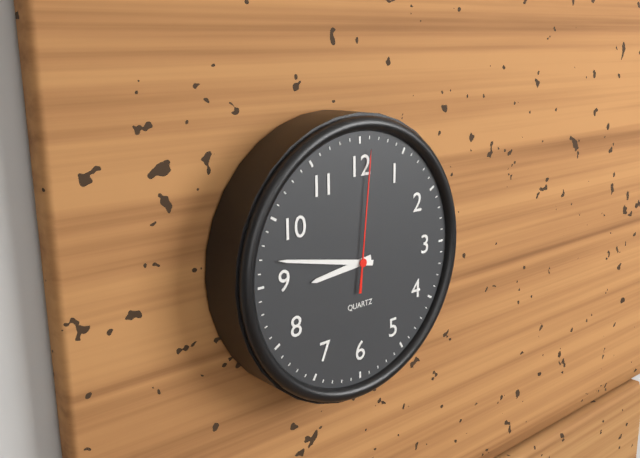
8:47:01
